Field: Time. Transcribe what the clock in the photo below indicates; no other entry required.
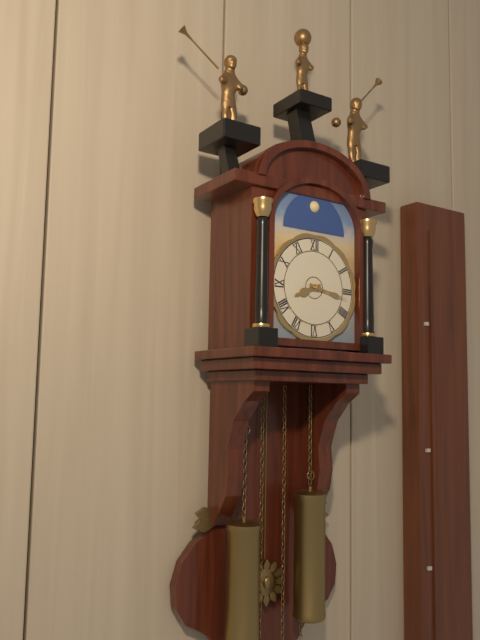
8:17
